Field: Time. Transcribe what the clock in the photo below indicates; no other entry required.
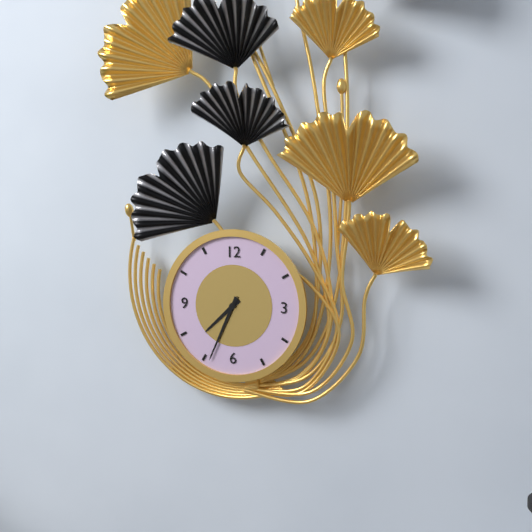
7:34
